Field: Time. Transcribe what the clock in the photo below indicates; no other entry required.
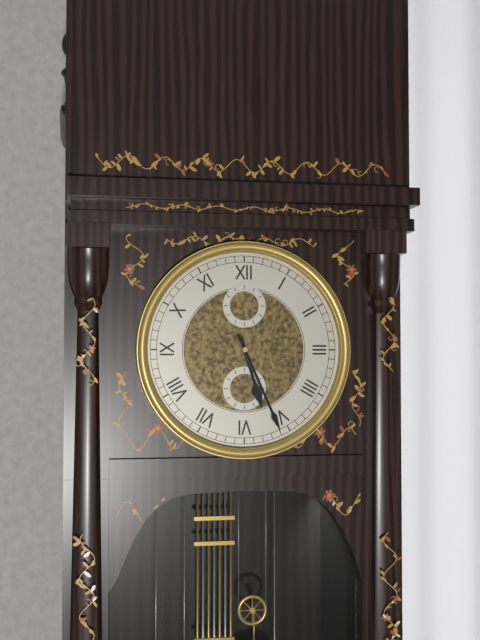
5:26
